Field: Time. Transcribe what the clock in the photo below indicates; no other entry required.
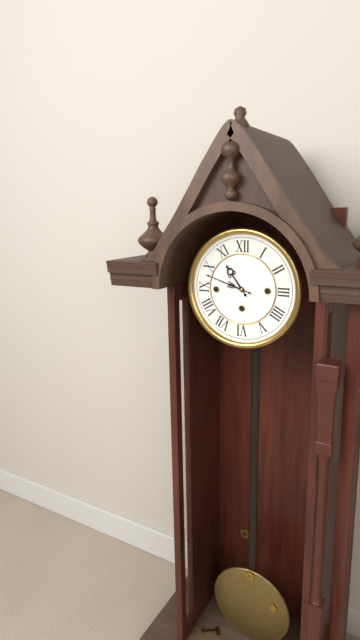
10:48
